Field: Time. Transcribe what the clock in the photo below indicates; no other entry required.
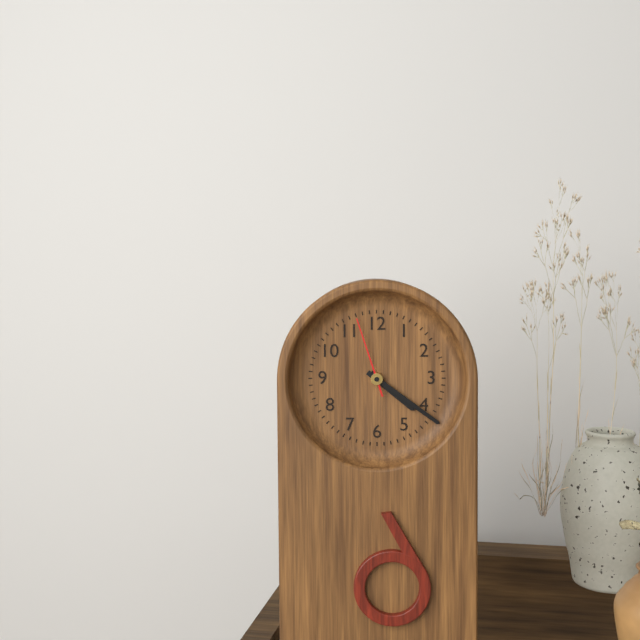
4:21:57
